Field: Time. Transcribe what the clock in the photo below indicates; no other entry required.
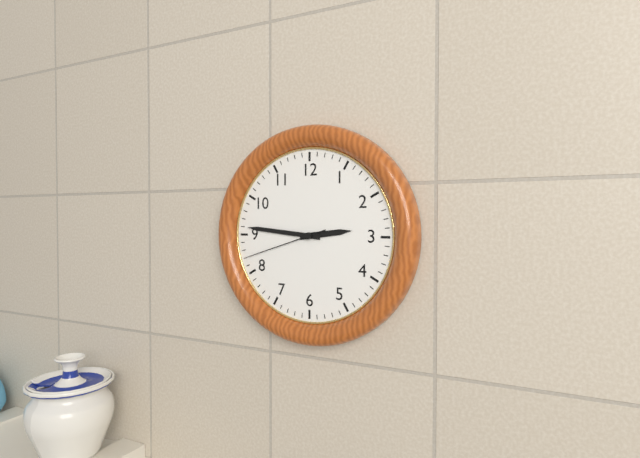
2:46:42
